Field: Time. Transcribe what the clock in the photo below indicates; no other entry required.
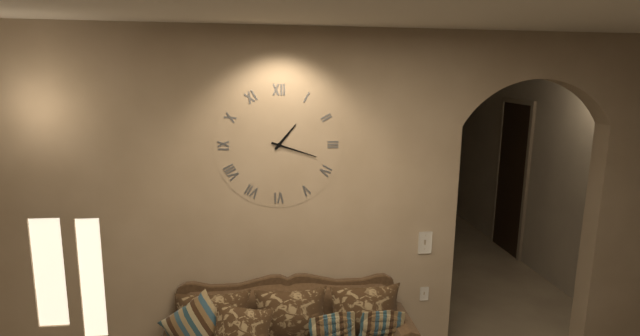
1:18
